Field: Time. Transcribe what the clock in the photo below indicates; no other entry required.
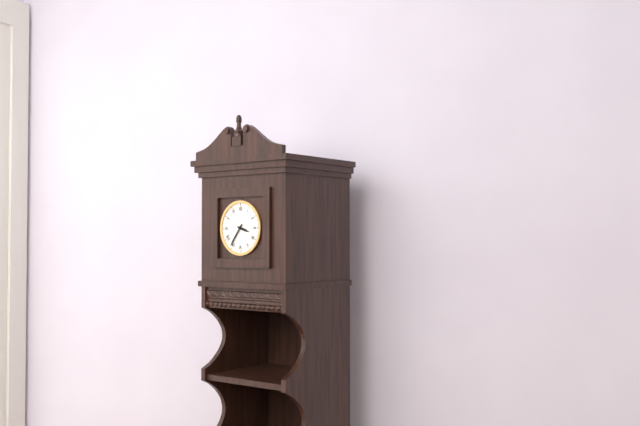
3:36
